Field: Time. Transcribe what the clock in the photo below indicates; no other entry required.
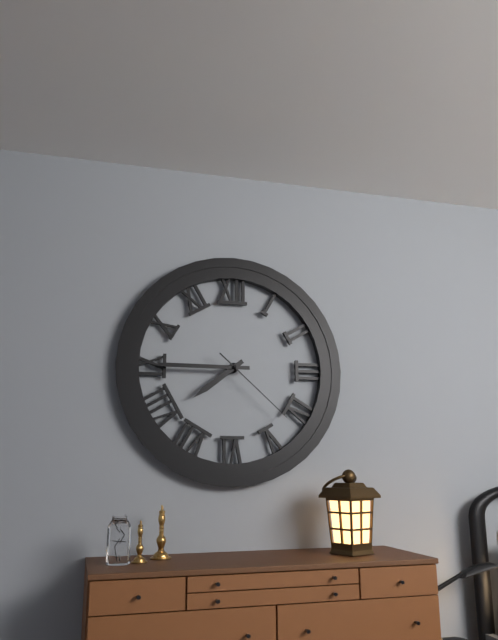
7:45:22
